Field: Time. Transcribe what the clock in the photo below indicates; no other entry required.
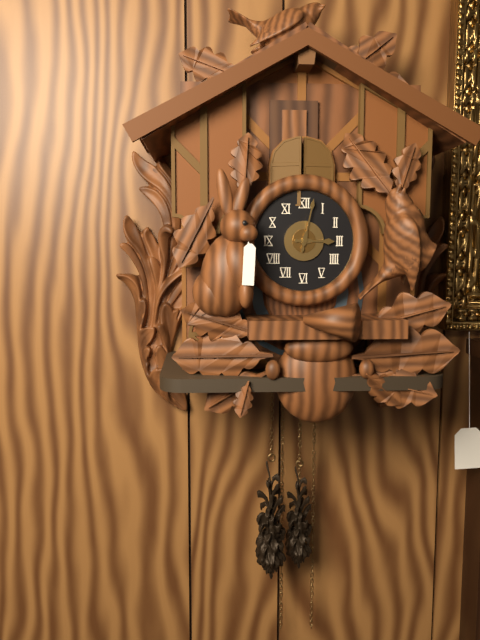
3:02
